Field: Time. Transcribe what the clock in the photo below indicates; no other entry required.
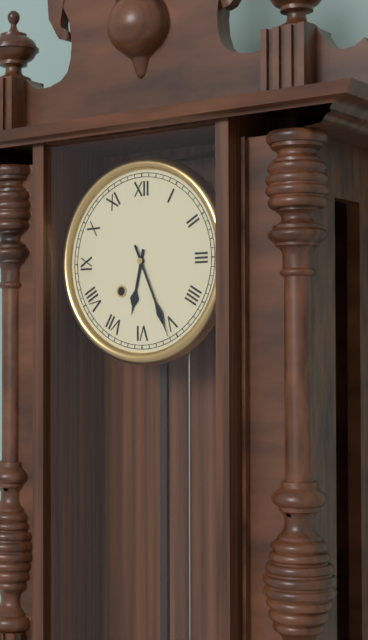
6:26
